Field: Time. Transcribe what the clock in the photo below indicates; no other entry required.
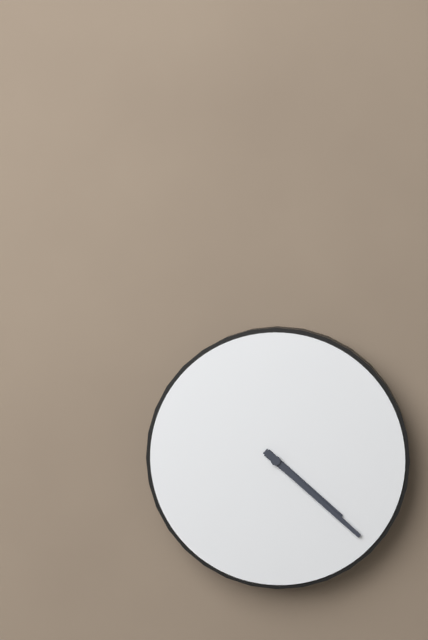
4:22
